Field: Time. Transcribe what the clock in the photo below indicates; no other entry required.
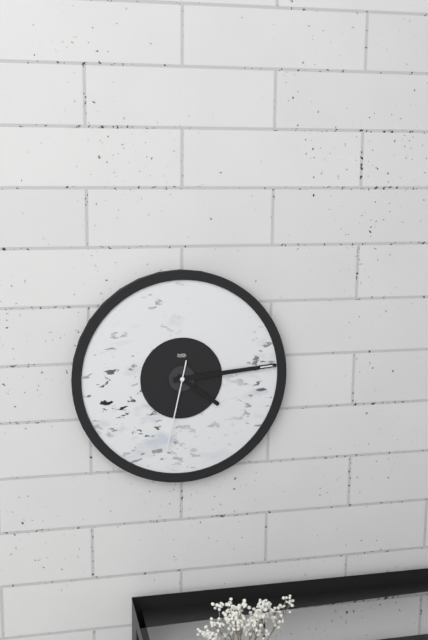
4:14:32
